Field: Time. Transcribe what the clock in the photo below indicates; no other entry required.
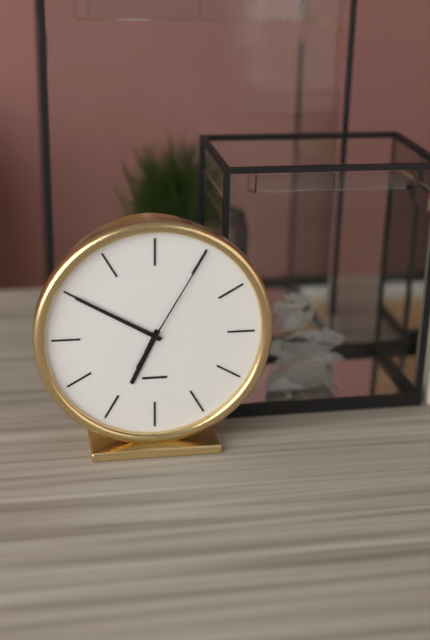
6:50:05
